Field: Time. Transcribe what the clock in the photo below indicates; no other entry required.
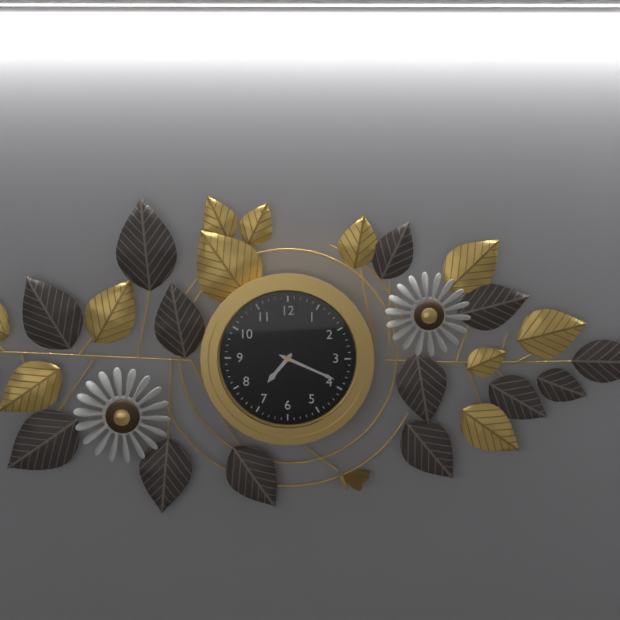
7:19
